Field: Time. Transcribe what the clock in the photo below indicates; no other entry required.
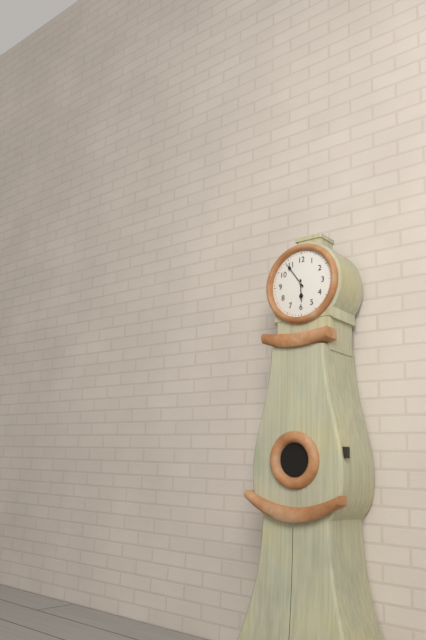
5:54
